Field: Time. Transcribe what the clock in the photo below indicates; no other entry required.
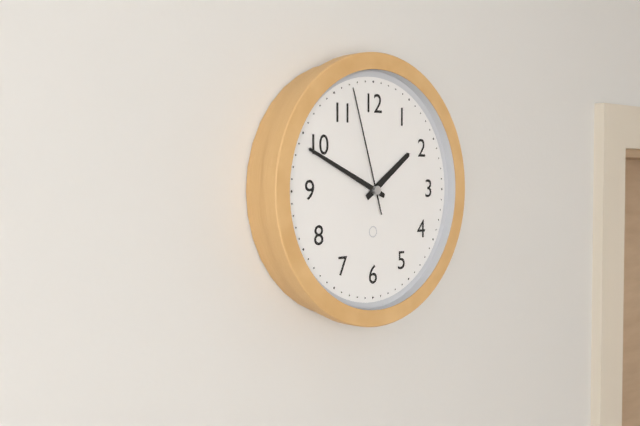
1:49:57
